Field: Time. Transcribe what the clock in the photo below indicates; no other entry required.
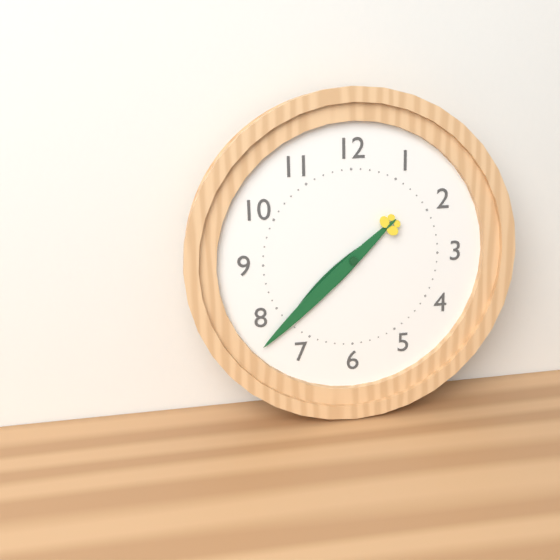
7:38
